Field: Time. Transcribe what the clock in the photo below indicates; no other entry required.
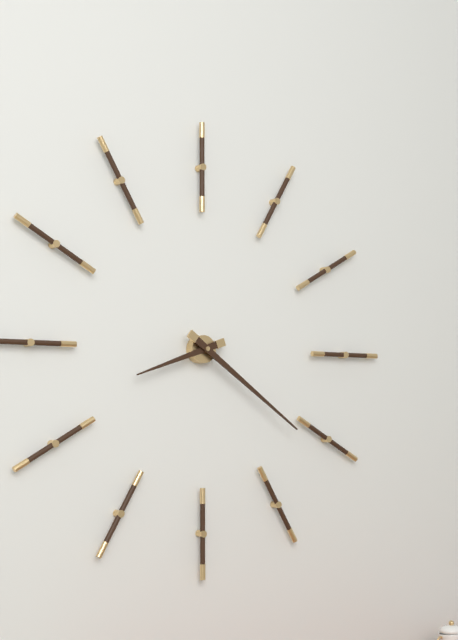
8:21
